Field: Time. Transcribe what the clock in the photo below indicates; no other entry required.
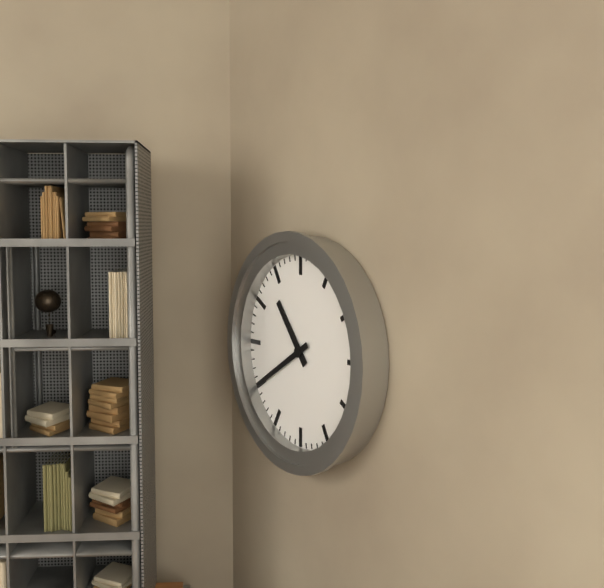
10:40
